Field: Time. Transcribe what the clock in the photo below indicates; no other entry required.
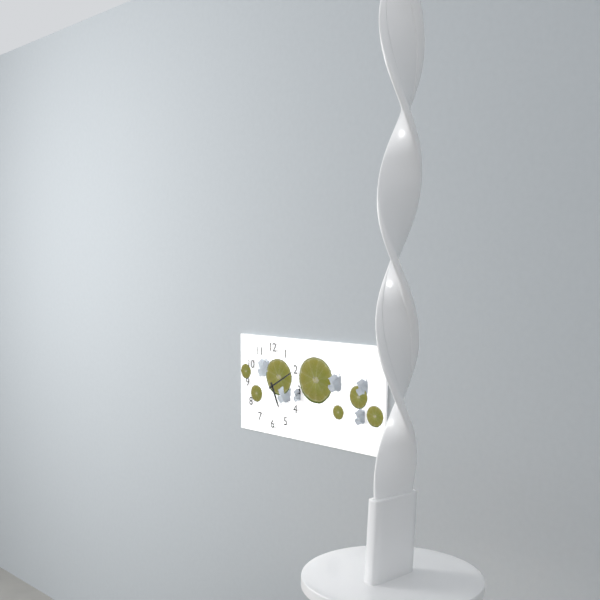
5:10
